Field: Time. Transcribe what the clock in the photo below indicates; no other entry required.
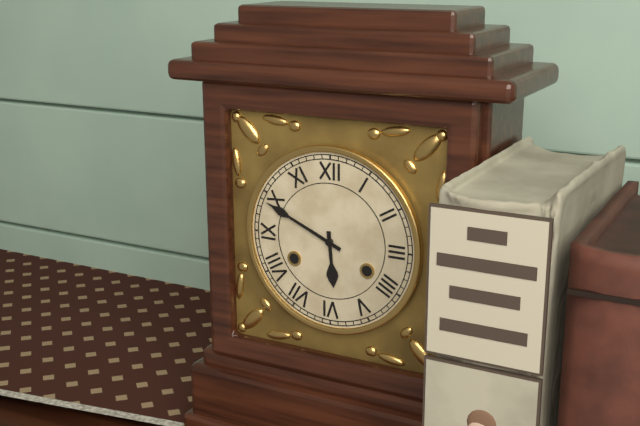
5:49
